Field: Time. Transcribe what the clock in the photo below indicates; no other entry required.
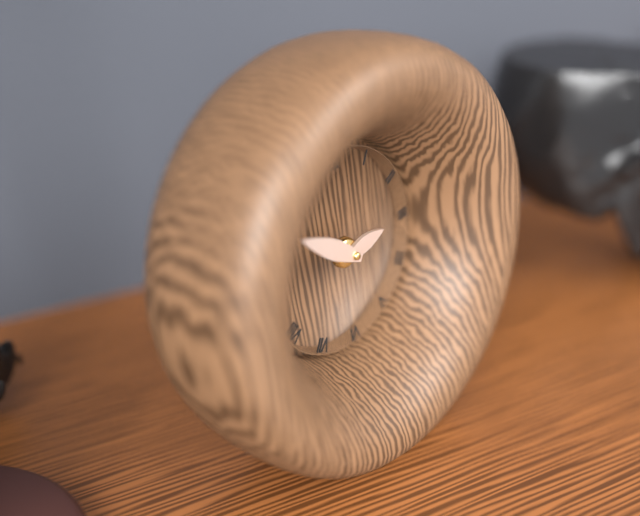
2:51
